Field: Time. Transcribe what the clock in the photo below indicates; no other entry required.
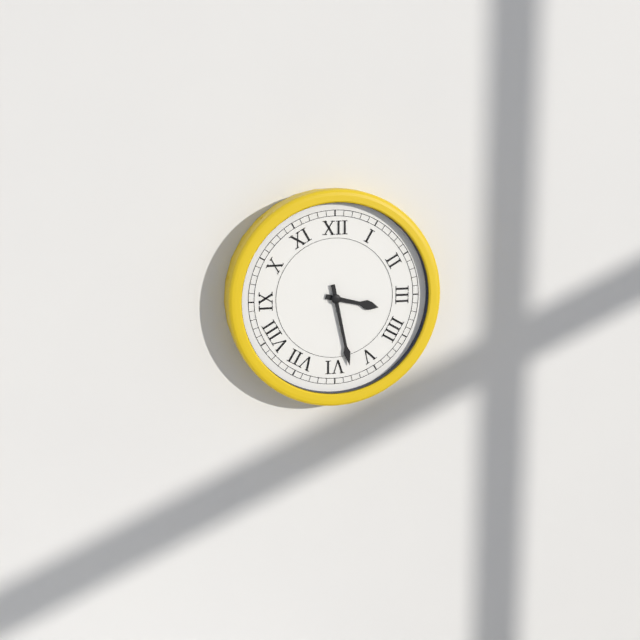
3:28
